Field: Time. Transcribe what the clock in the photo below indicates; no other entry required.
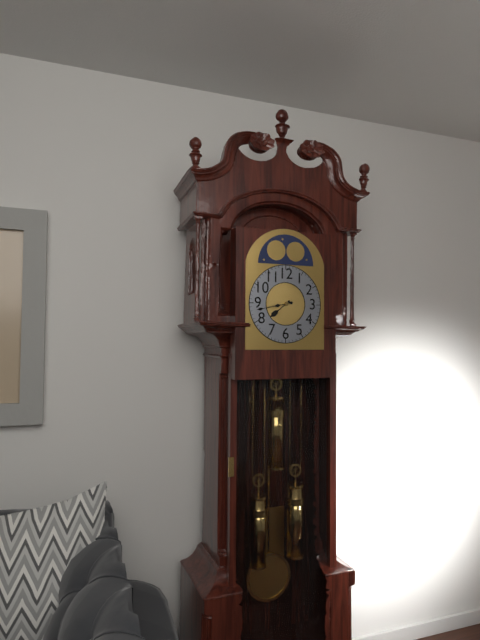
7:43
